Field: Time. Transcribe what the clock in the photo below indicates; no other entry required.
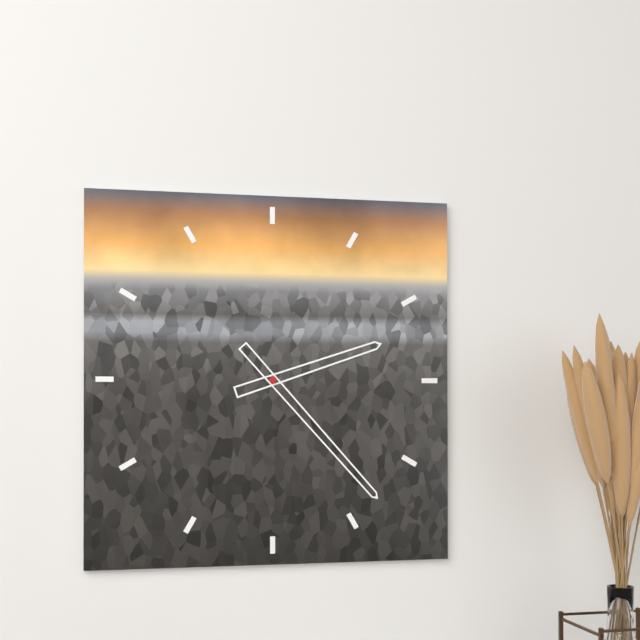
2:23
